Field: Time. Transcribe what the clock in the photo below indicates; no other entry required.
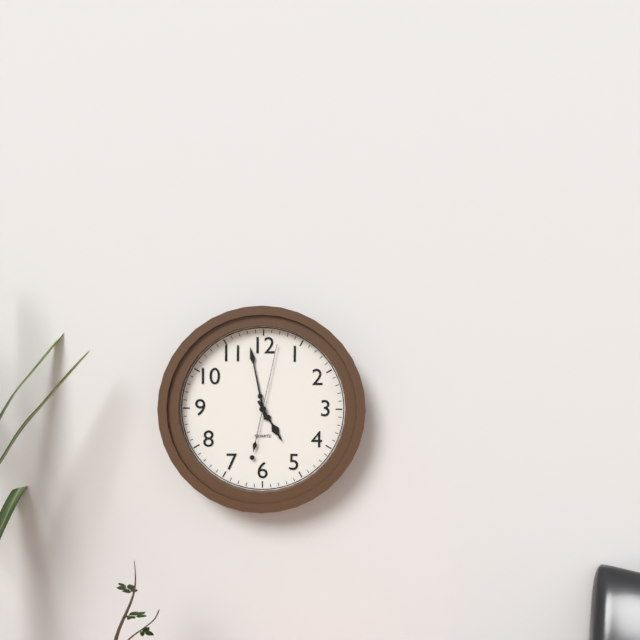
4:58:02
